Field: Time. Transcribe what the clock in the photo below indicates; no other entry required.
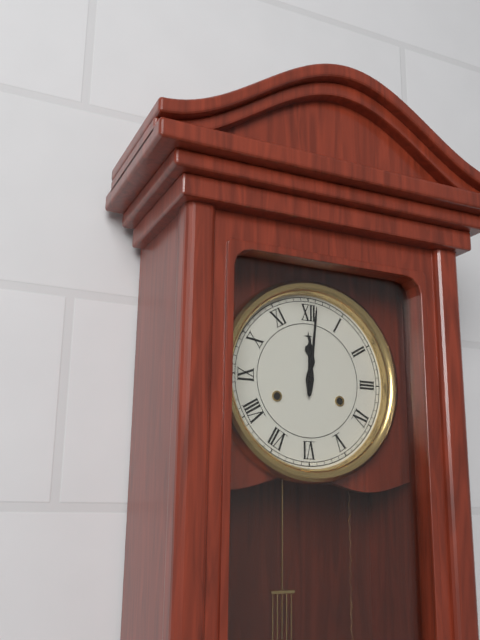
12:01
